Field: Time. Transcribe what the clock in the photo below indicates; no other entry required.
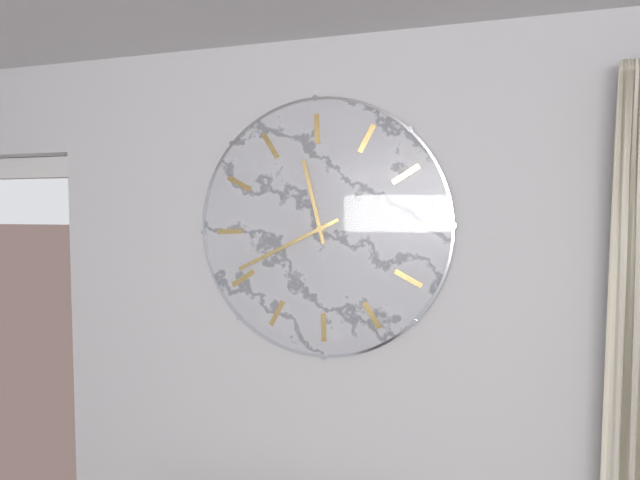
10:36
